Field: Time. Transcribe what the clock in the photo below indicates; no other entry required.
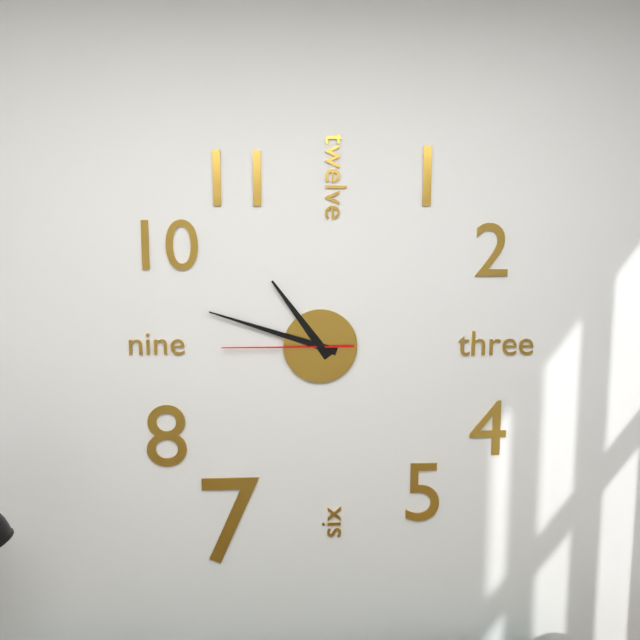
10:48:45
